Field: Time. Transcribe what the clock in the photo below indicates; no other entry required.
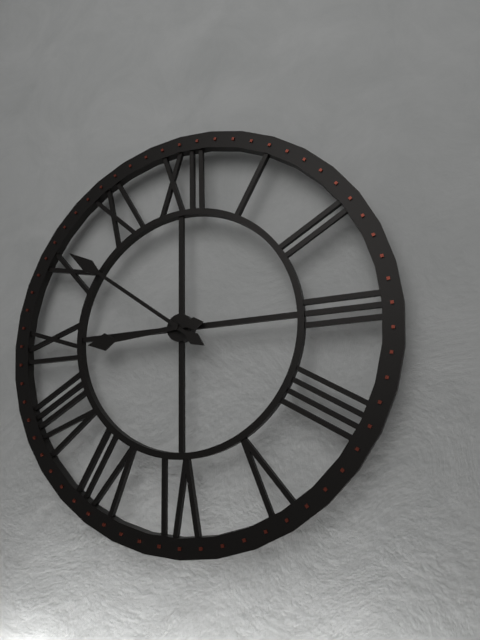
8:51
